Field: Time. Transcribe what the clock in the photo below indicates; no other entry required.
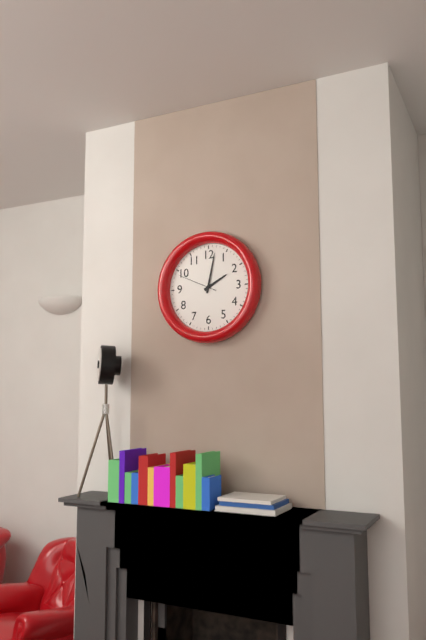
2:02
